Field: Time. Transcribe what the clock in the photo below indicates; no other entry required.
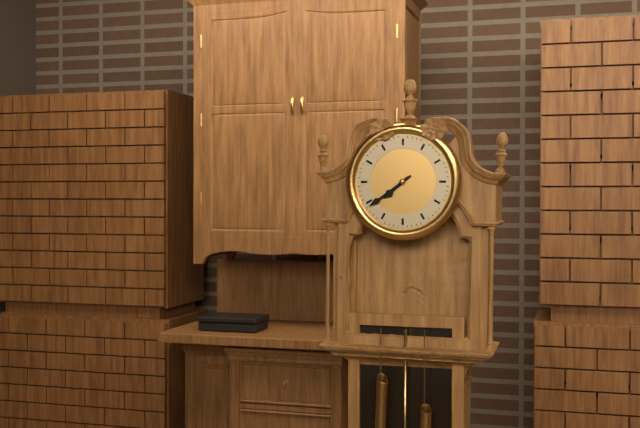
7:39
